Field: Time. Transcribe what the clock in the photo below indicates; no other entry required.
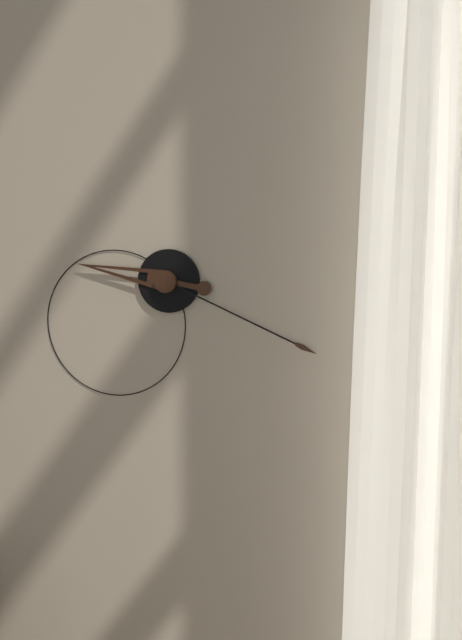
9:19
